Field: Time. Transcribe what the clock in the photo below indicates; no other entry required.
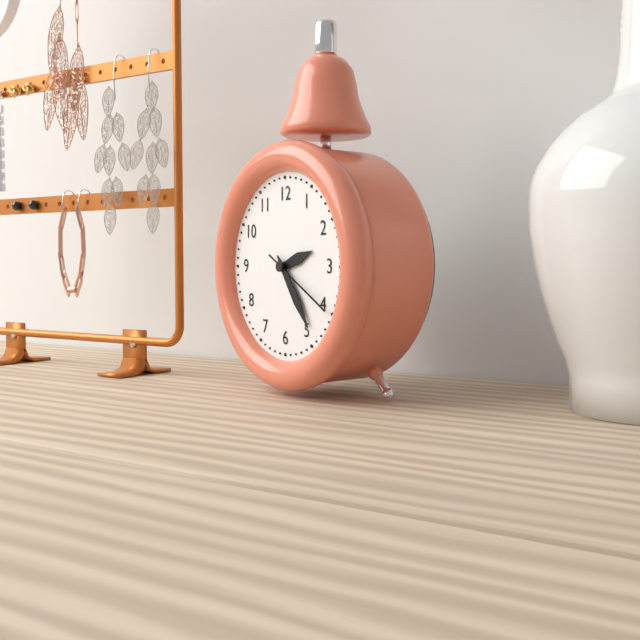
2:24:20
